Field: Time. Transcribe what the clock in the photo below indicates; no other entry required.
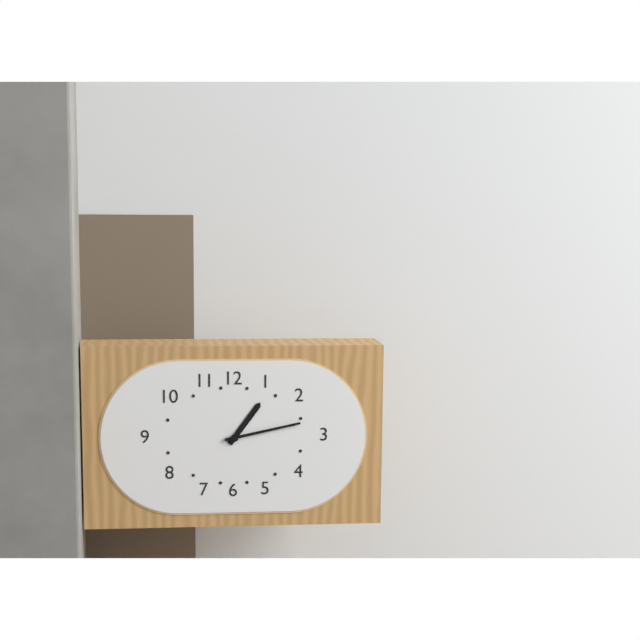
1:13
